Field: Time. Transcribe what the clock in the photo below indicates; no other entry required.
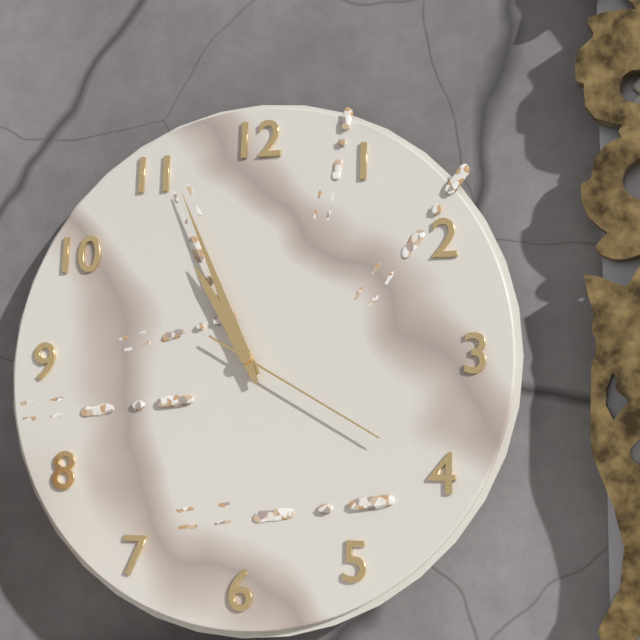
10:56:20
